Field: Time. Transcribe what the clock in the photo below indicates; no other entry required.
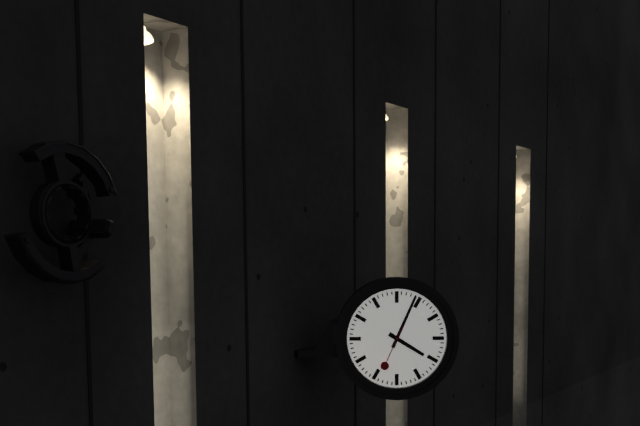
4:04
